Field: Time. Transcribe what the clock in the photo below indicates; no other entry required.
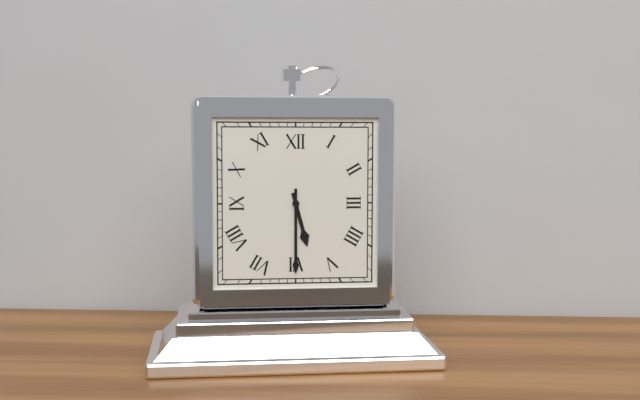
5:30
